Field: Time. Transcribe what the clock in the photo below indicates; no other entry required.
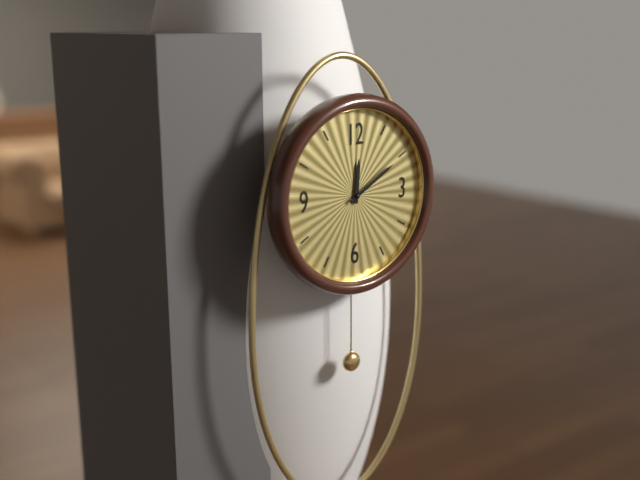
12:10
